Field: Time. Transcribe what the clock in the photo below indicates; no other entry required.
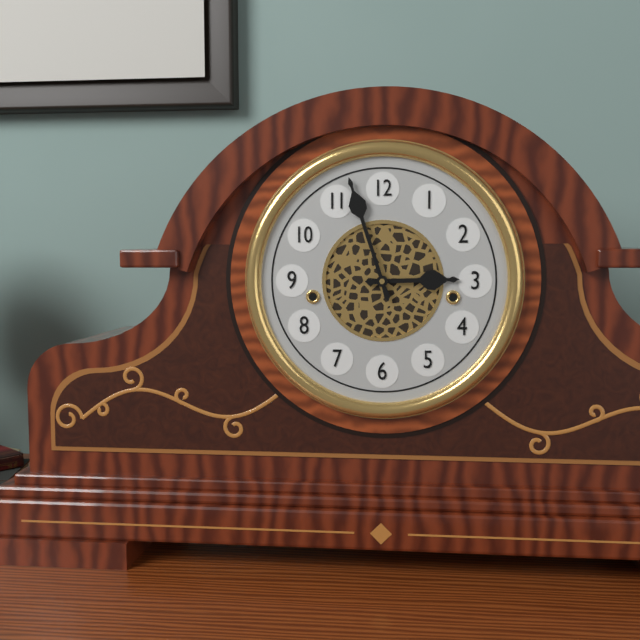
2:57
